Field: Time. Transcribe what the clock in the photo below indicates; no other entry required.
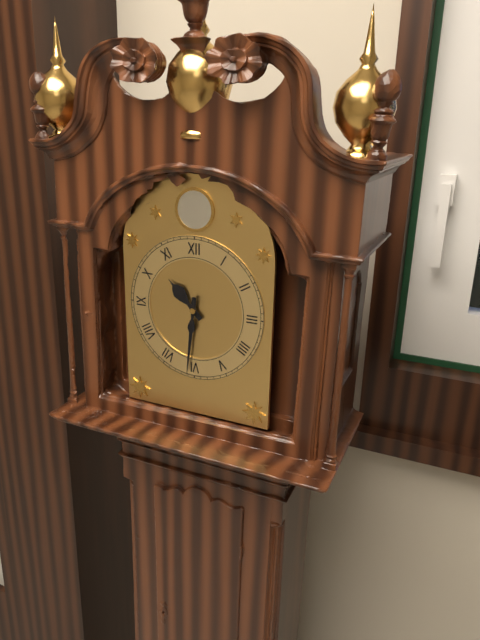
10:31
